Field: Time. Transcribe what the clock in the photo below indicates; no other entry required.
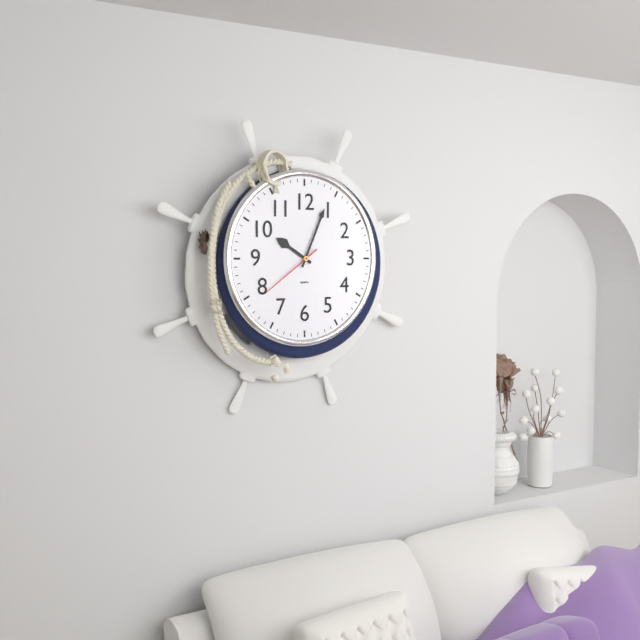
10:04:39
